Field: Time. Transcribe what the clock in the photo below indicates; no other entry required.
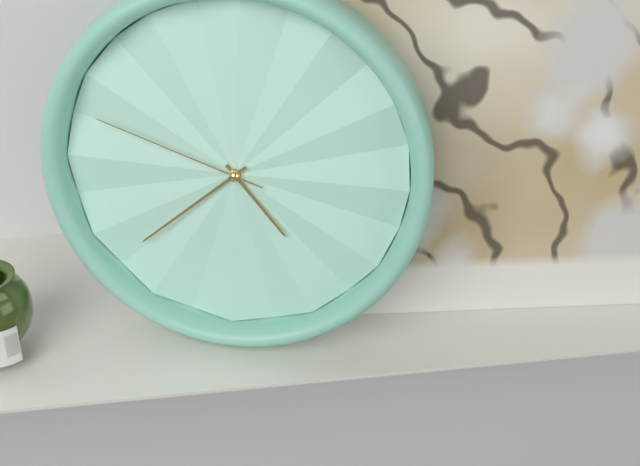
4:38:48
